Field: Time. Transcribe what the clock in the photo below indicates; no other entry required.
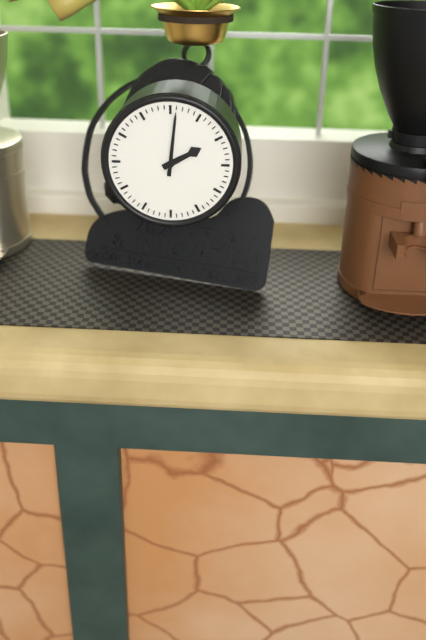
2:01
